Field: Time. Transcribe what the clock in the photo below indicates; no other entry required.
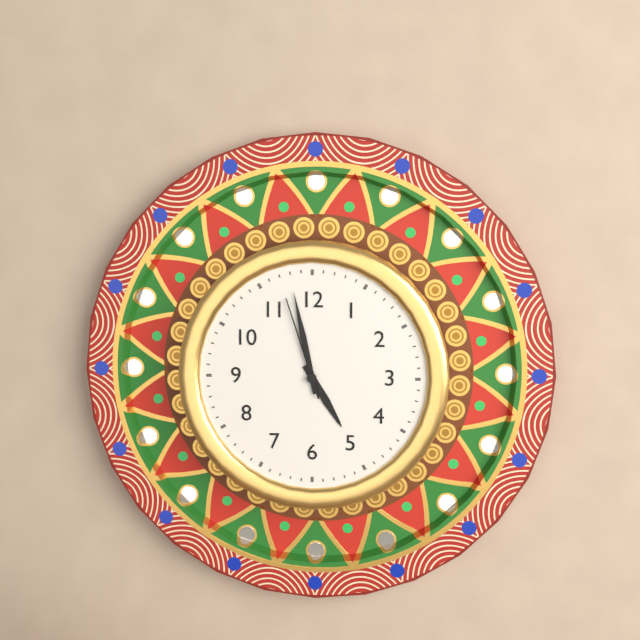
4:58:57
